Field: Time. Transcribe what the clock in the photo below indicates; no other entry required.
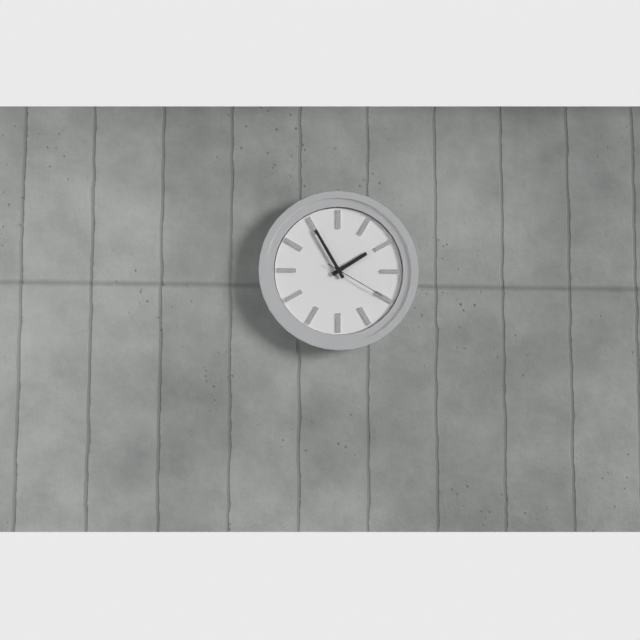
1:55:20
